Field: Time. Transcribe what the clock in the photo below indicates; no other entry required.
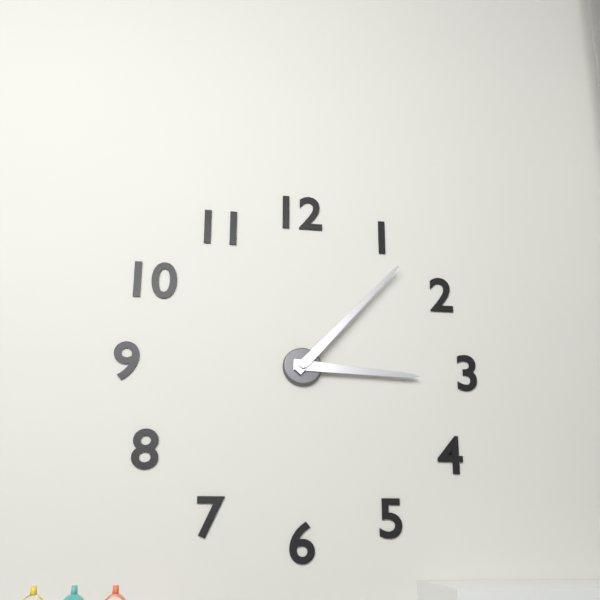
3:07
